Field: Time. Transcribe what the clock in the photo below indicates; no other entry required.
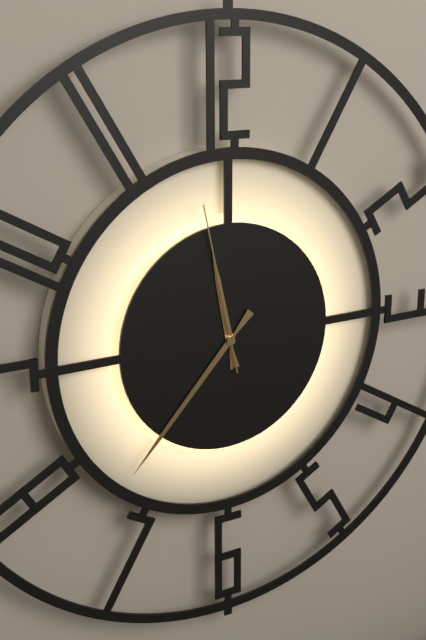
11:37:58
